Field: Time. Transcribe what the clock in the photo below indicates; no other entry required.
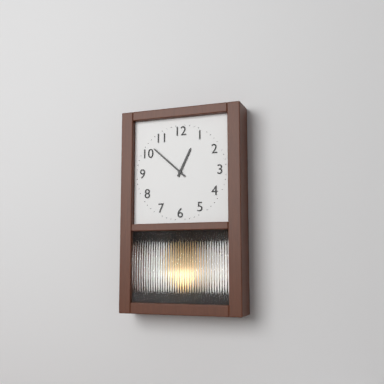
12:52
